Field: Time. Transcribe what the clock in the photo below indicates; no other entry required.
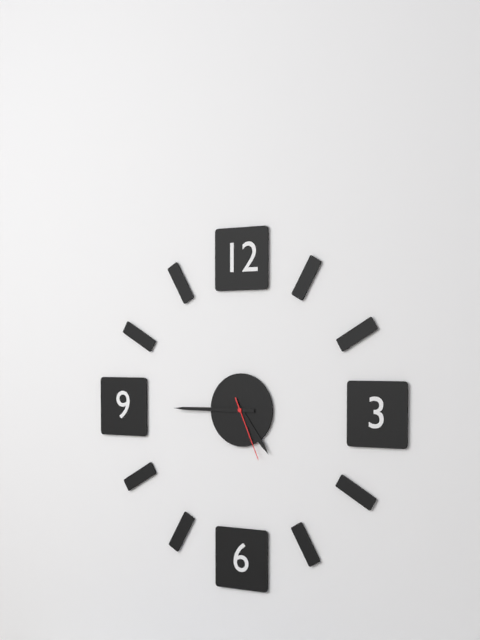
4:45:26
